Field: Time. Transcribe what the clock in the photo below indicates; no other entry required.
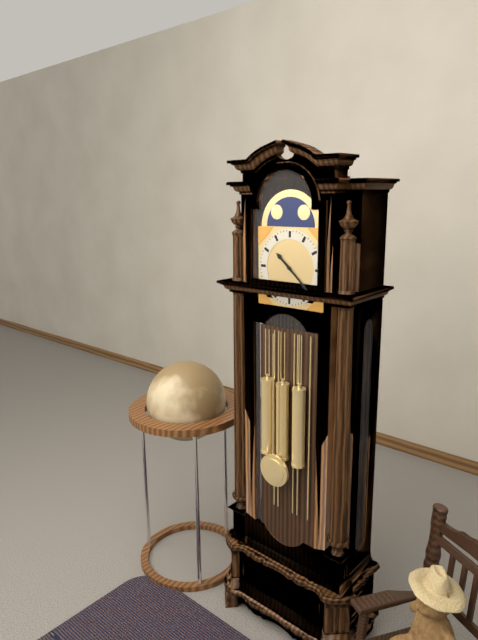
10:22
